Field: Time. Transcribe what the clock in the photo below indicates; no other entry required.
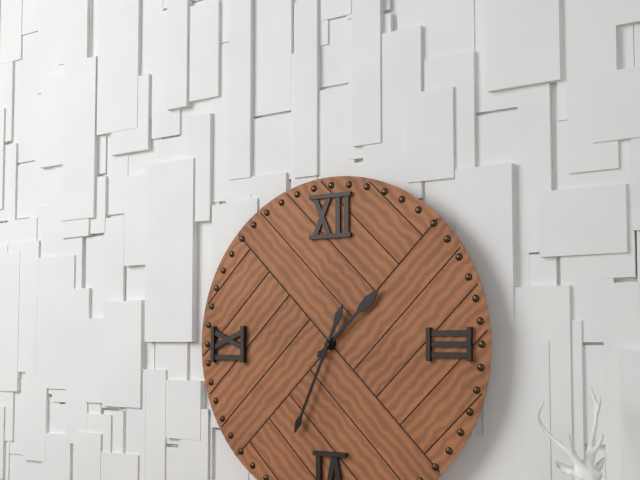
1:34
